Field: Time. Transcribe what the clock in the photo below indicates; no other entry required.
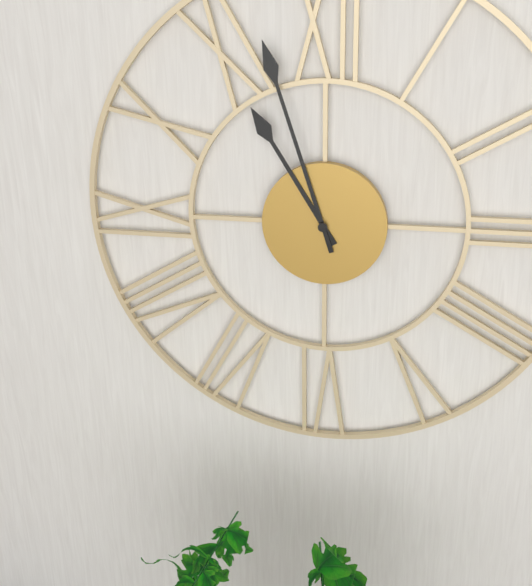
10:57
